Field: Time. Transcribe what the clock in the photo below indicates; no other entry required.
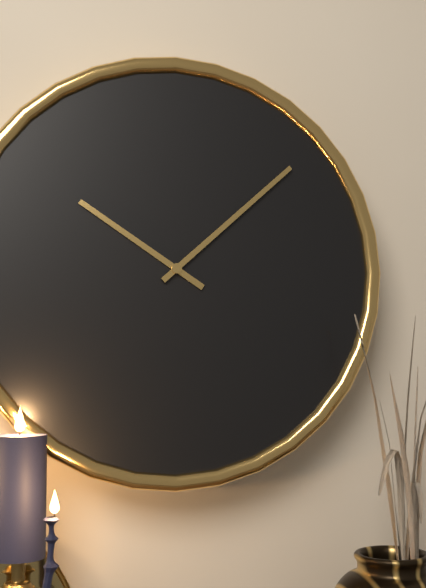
10:08
